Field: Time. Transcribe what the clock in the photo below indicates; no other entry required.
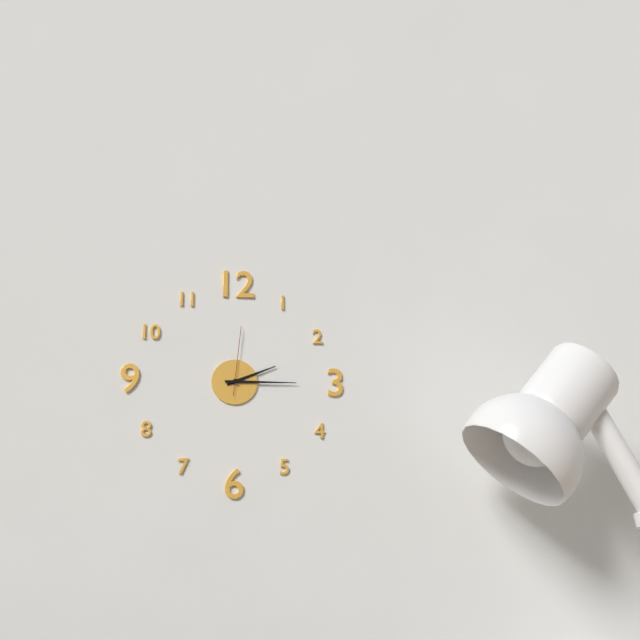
2:15:01
